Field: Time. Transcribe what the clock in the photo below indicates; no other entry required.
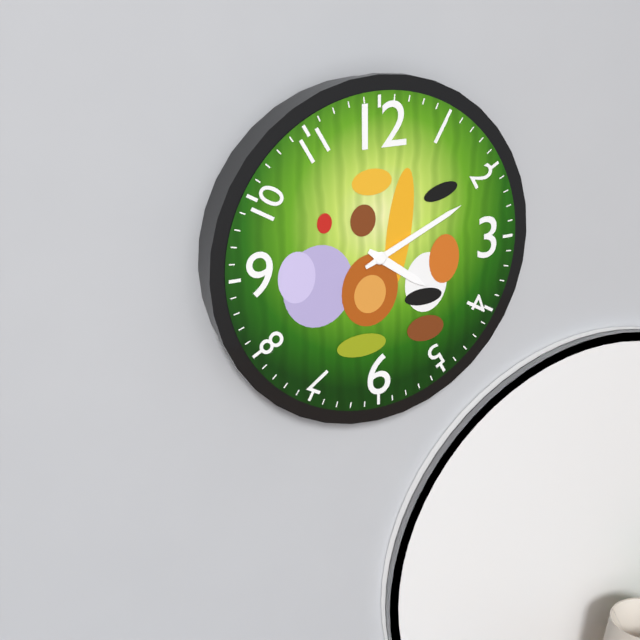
4:11
